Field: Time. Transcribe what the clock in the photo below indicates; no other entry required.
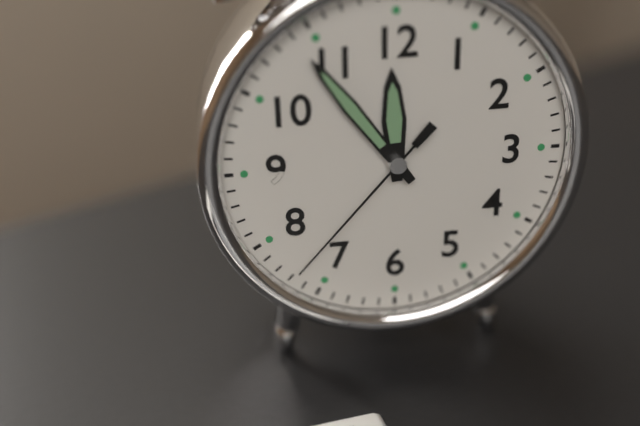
11:54:37
